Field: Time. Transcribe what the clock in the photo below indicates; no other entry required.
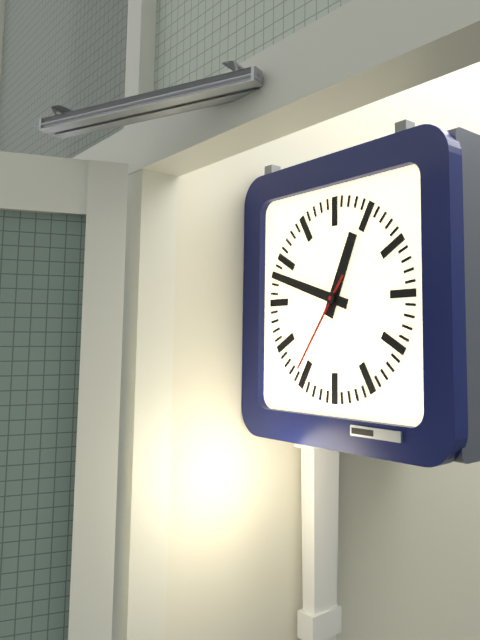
12:48:36
